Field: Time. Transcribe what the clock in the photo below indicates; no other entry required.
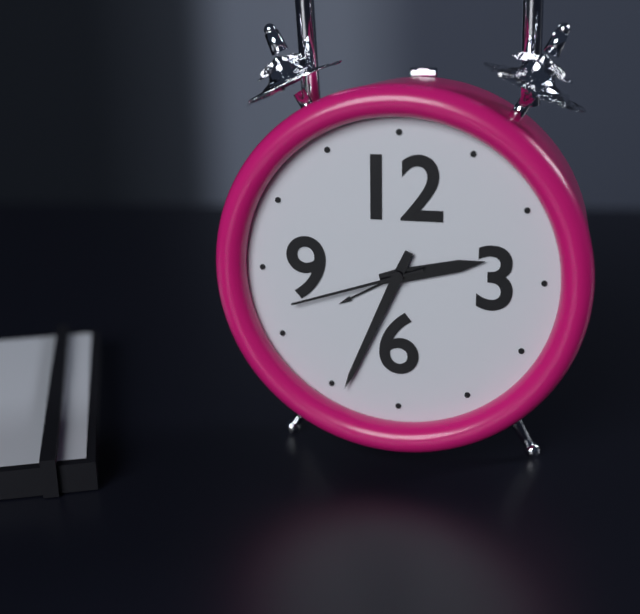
2:34:42
